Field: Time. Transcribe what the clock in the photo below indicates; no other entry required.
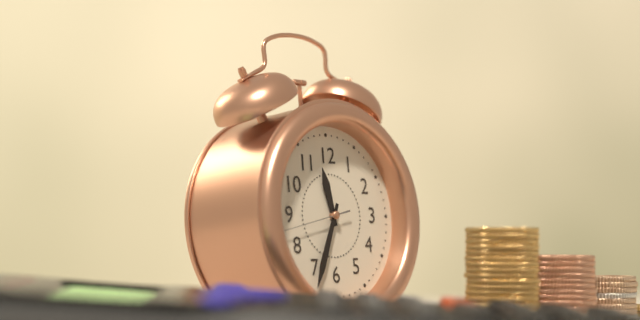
11:34:43
